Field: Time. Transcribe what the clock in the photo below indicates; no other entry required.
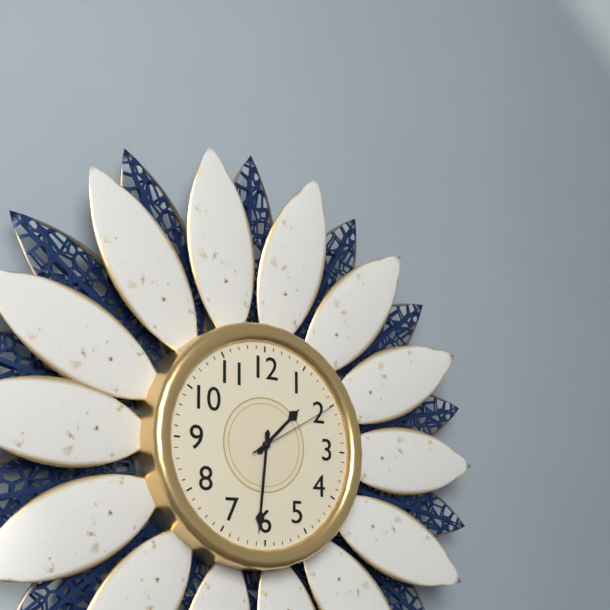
1:31:10
